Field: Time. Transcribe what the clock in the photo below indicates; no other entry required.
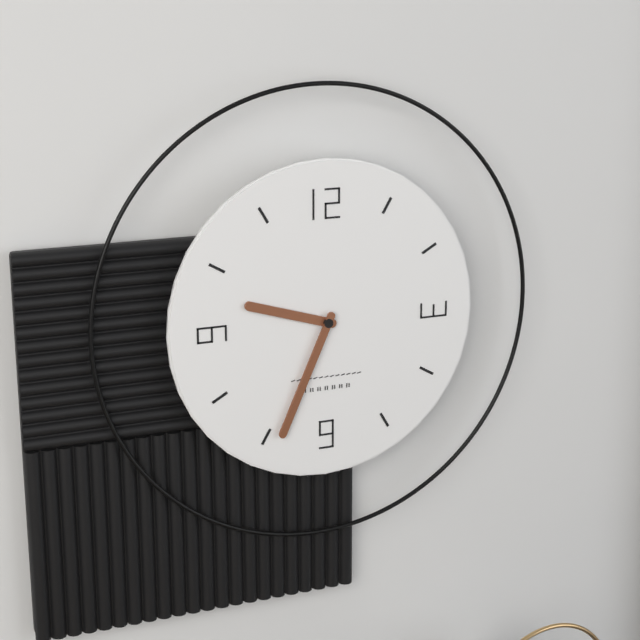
9:34
